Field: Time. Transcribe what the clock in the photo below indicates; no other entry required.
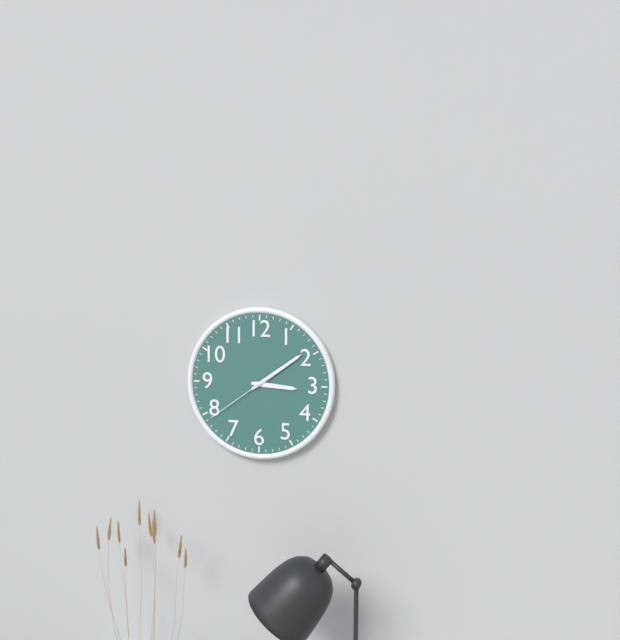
3:09:39
